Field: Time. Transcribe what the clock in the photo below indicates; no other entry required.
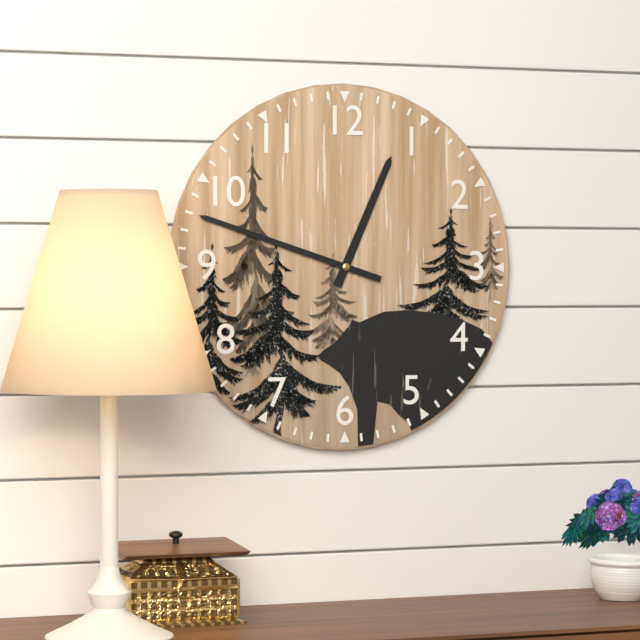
12:48
